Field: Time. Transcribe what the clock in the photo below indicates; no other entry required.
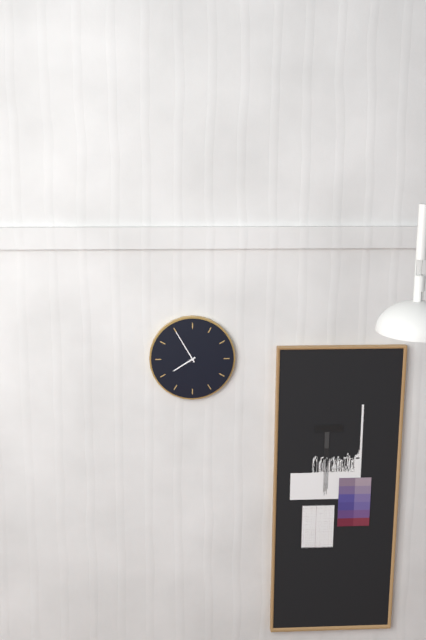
7:55
